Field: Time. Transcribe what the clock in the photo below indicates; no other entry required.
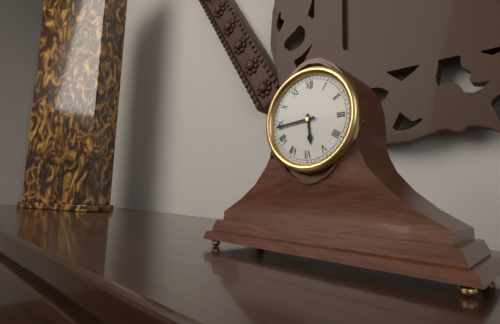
5:44
